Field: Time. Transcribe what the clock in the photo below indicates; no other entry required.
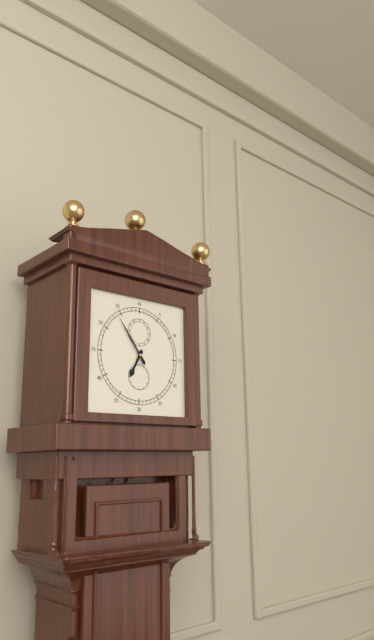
6:54
